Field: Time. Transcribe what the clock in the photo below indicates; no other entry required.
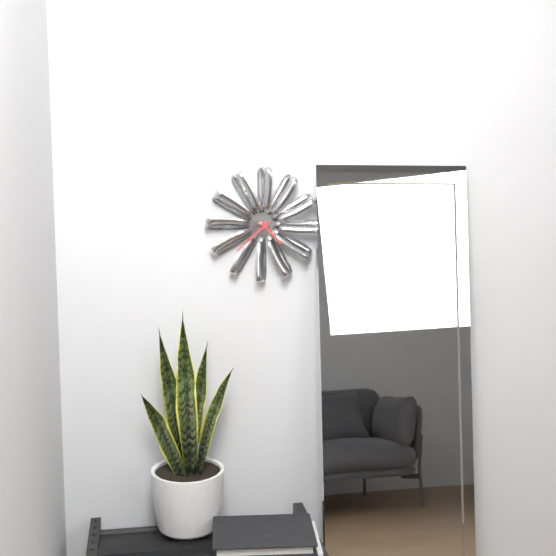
4:38
